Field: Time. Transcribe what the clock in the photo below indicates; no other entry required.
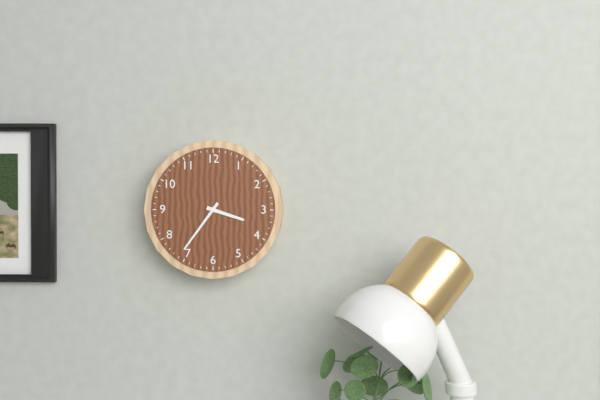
3:36
